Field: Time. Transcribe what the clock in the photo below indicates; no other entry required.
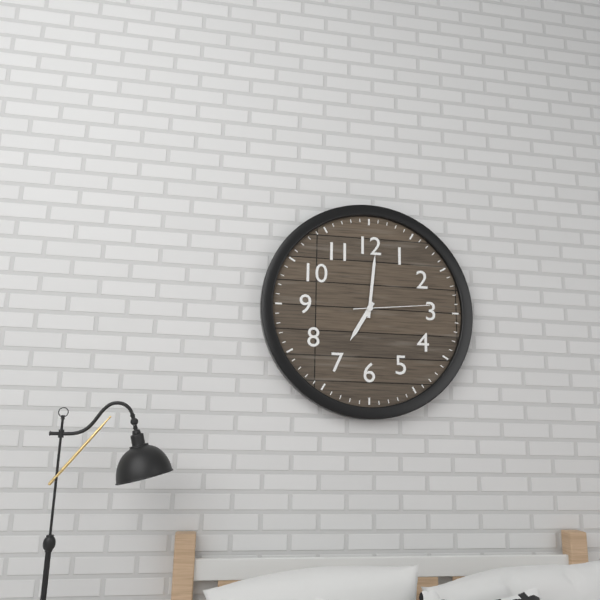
7:01:14
